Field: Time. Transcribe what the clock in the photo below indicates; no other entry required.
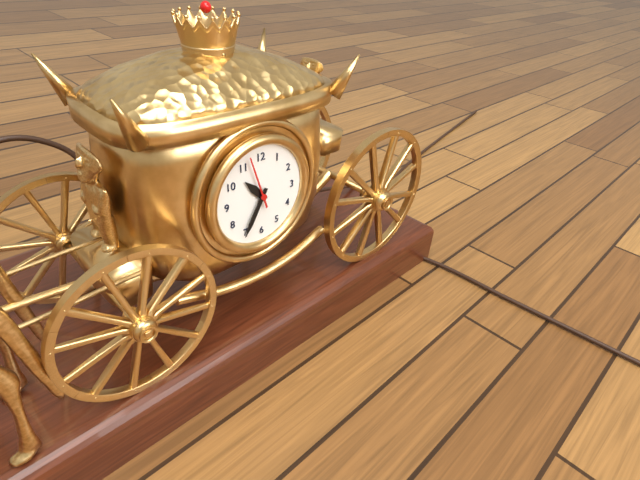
10:35:57
